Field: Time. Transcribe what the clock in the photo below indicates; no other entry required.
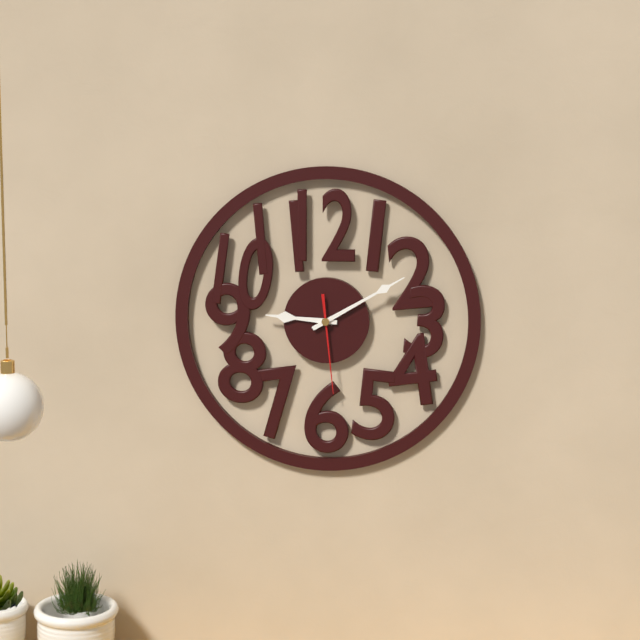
9:10:29
